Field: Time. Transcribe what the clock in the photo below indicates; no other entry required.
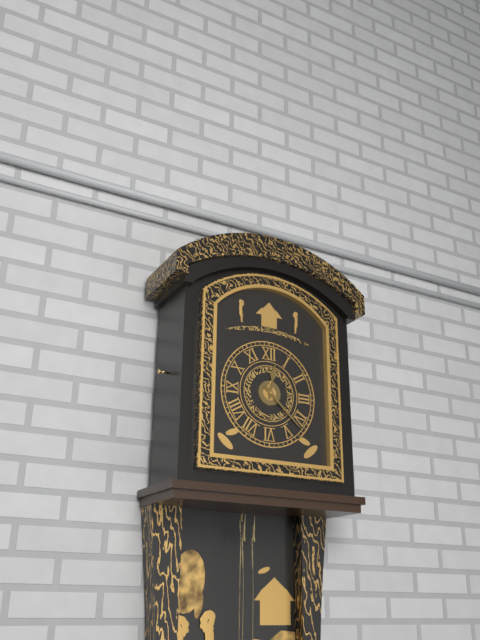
12:22
